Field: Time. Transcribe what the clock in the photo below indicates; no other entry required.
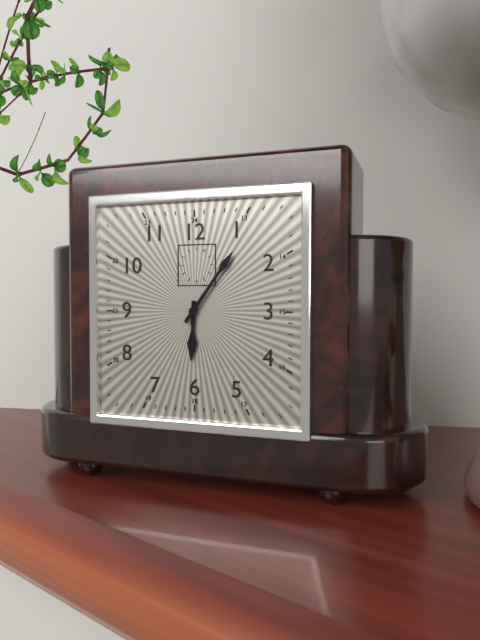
6:06
